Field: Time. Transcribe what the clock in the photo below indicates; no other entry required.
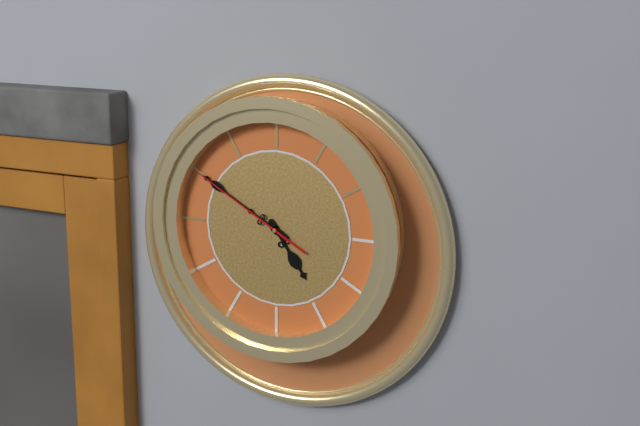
4:50:50
